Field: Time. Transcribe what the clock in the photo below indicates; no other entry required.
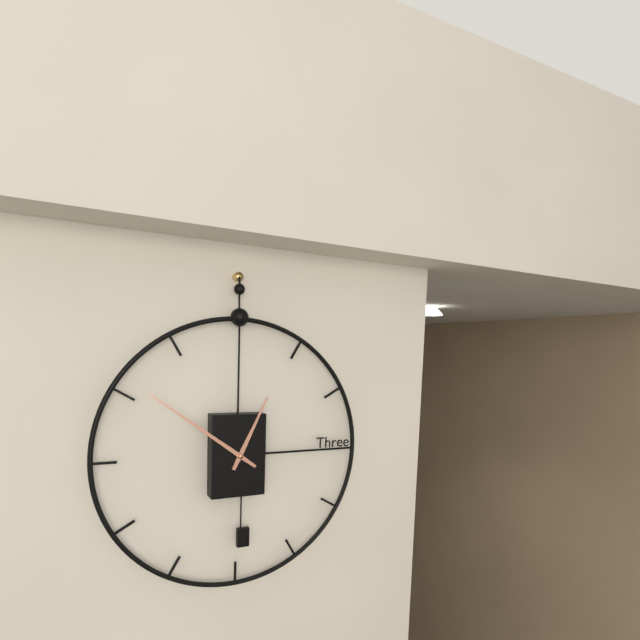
12:51
